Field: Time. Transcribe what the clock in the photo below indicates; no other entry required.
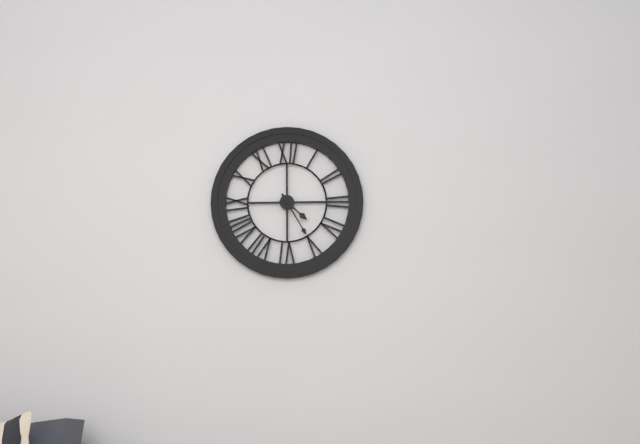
4:25
